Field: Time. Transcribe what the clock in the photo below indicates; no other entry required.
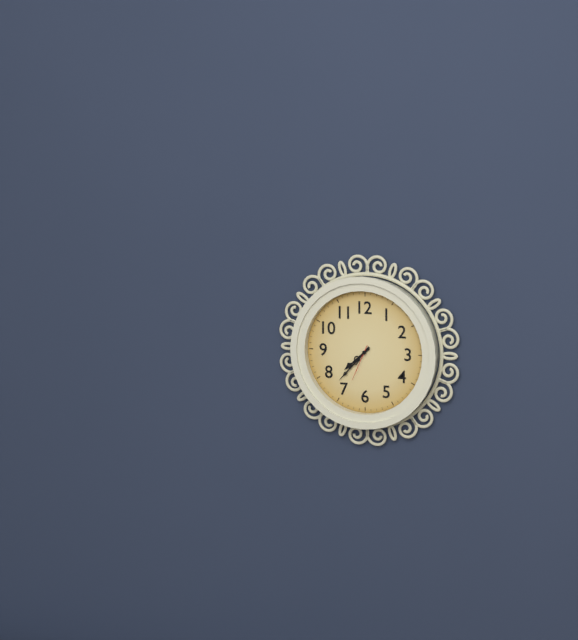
7:37
